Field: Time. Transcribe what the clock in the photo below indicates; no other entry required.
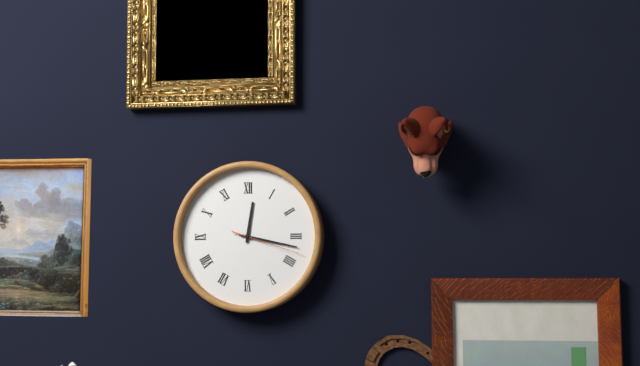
12:17:18
